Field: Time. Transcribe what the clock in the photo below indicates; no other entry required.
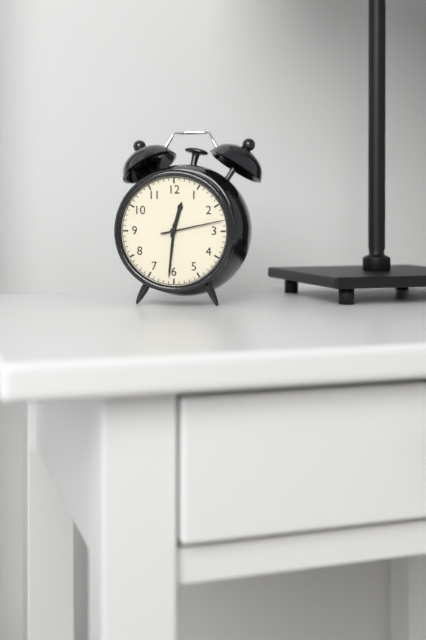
12:31:13
